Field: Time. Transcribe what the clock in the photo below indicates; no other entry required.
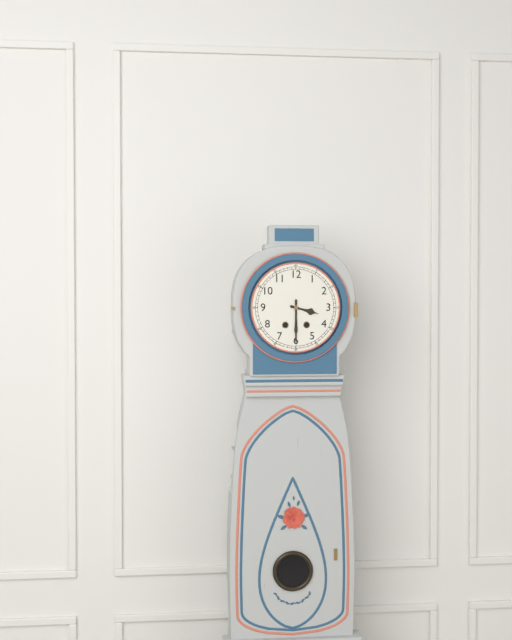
3:30
